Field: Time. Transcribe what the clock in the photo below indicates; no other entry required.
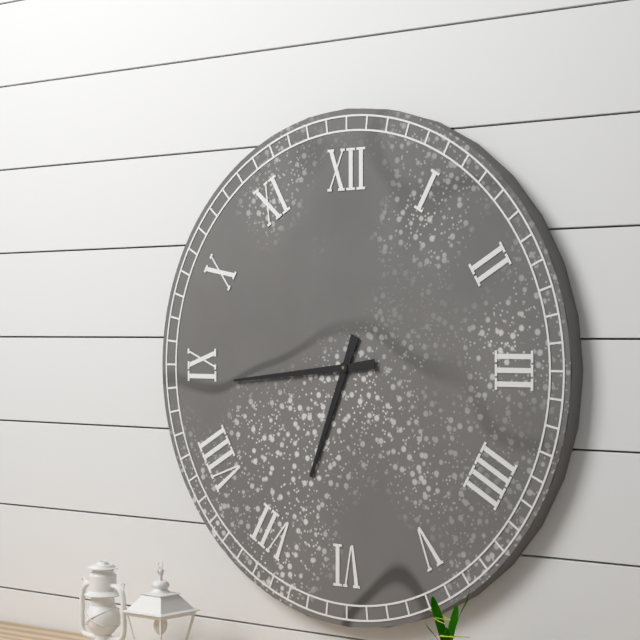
6:44
